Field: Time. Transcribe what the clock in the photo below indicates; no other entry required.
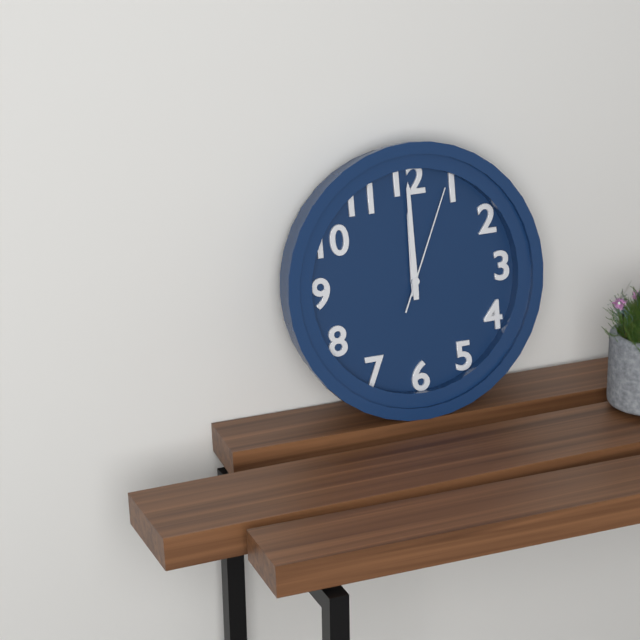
12:00:04
